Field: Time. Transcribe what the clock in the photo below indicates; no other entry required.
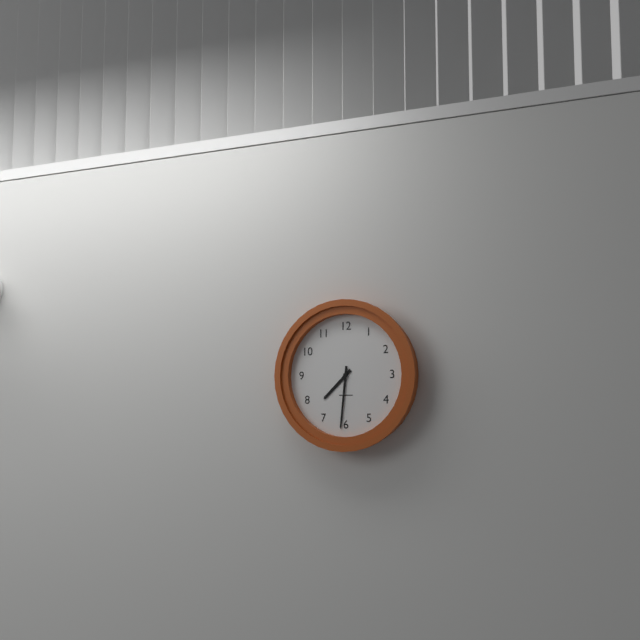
7:31
